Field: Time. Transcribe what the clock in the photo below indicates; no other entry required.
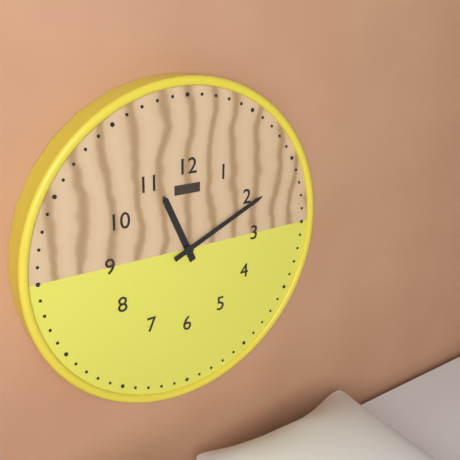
11:11
